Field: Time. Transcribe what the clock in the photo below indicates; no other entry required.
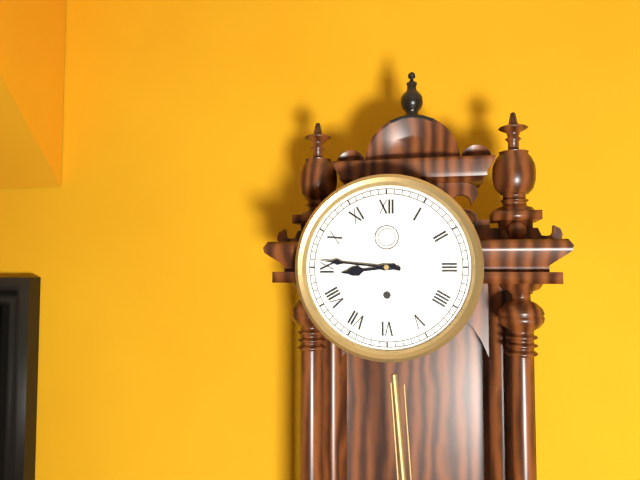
8:46
